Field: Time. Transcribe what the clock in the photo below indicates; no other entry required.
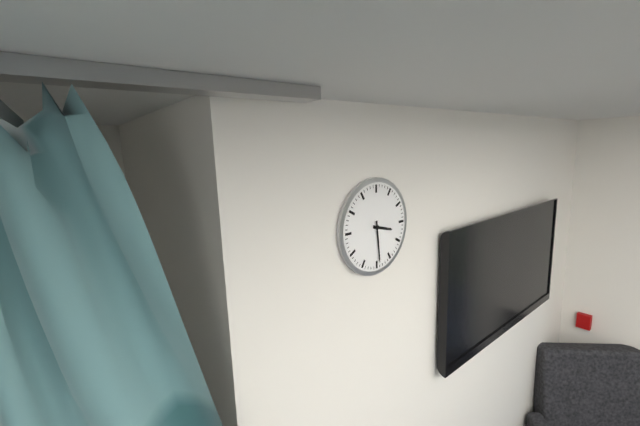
3:29
